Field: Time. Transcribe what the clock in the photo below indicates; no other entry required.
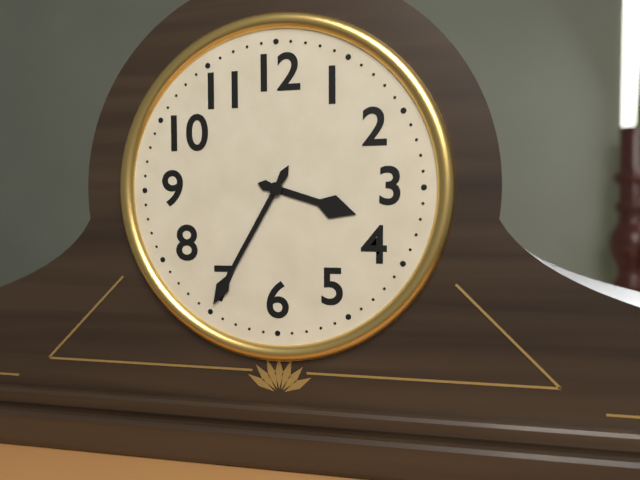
3:35
